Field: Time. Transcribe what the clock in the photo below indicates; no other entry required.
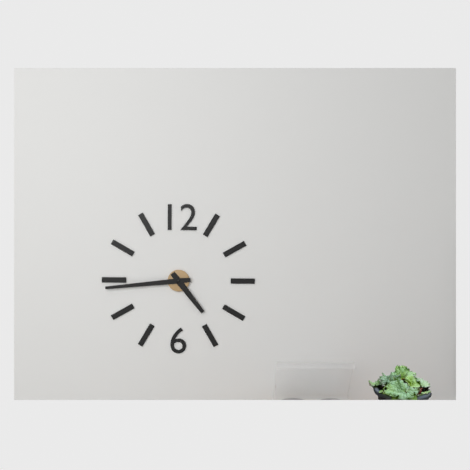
4:44
